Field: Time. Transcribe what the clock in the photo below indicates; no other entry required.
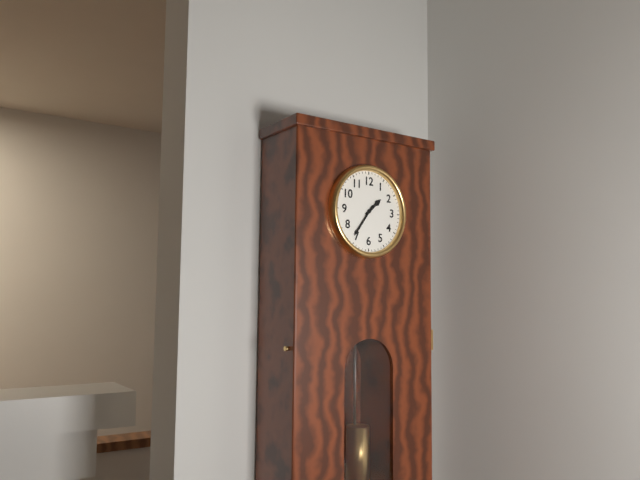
1:36
